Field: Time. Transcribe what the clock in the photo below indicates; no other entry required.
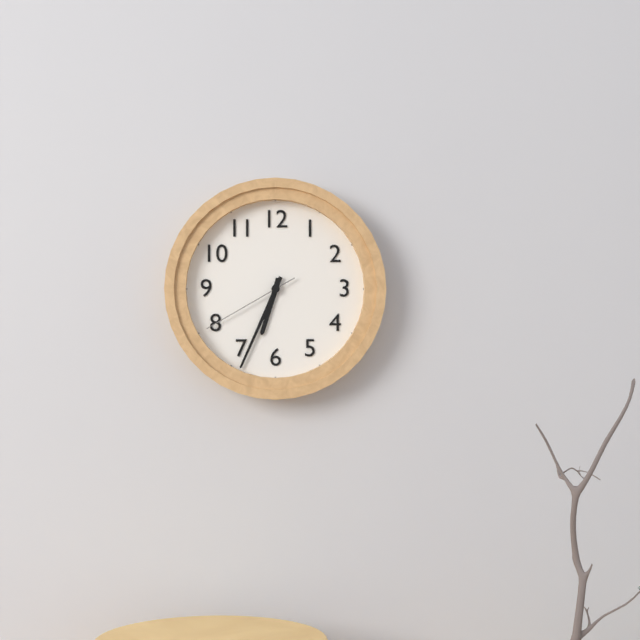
6:34:40
